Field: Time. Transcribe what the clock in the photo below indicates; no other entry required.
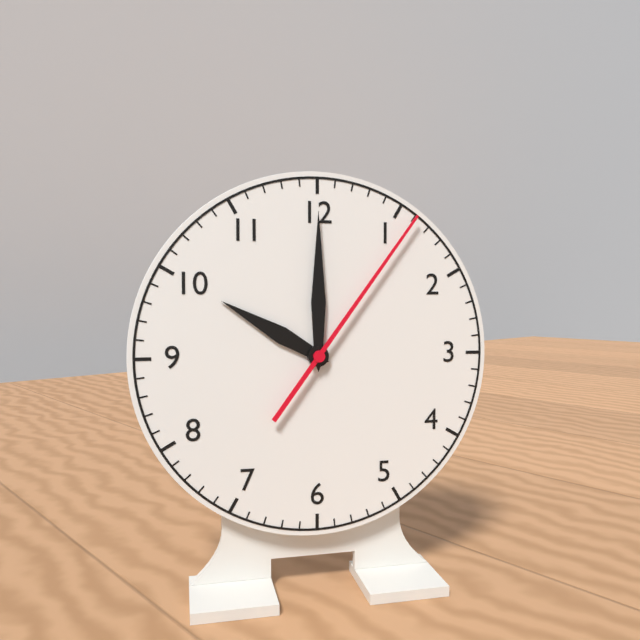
10:00:06
